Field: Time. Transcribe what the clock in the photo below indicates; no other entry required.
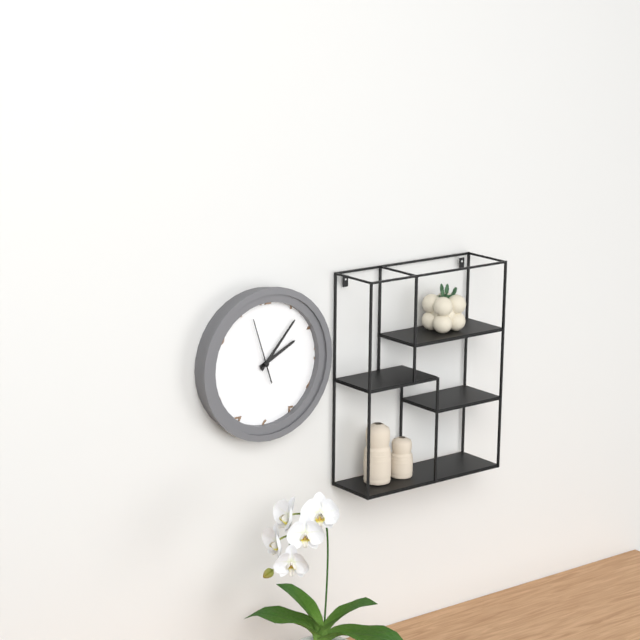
2:07:57
